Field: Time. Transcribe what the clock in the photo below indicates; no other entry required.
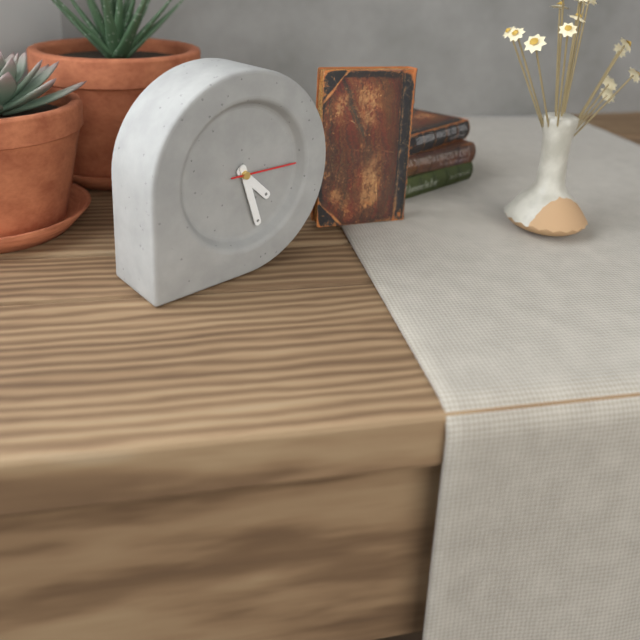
4:27:15
